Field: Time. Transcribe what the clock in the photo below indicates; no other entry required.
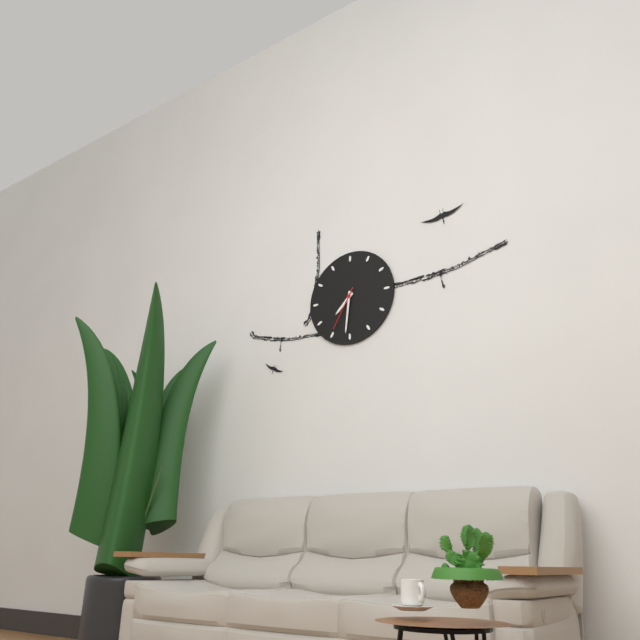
7:31
